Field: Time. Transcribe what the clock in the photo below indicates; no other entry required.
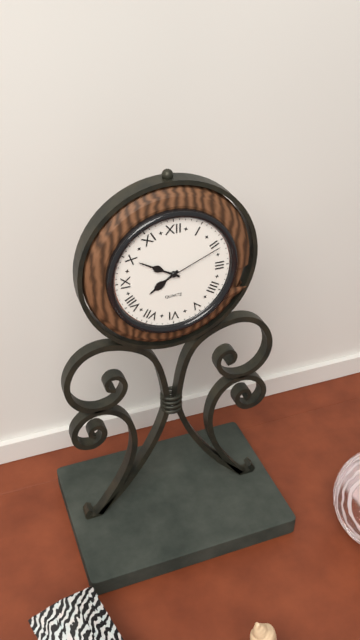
7:50:11
